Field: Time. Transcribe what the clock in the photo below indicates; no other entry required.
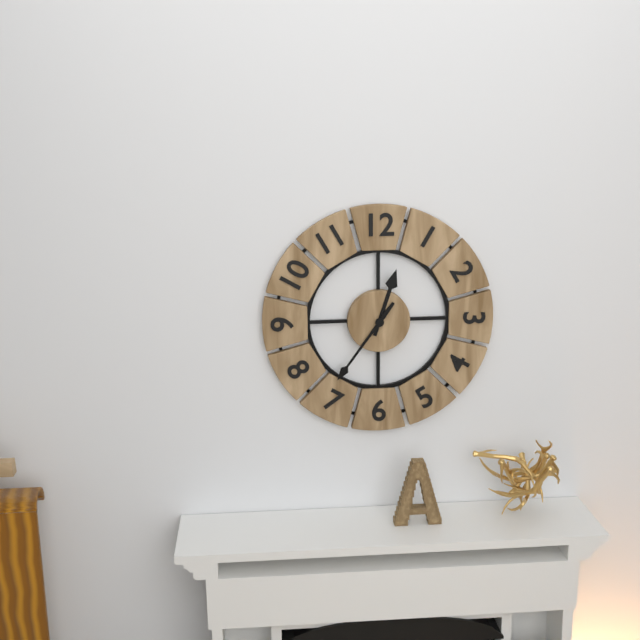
12:36
